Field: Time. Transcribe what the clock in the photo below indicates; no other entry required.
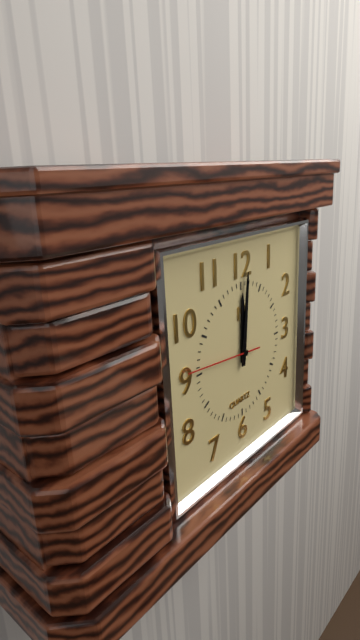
12:01:46
